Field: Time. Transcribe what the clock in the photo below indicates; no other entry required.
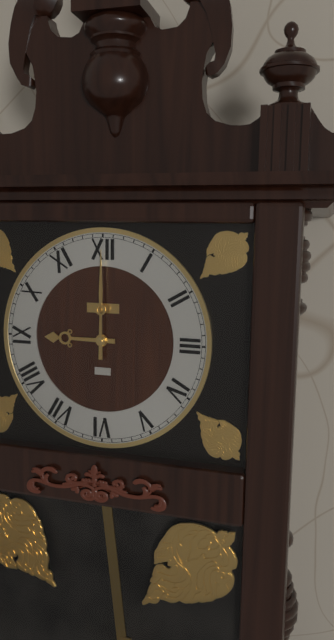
9:00
